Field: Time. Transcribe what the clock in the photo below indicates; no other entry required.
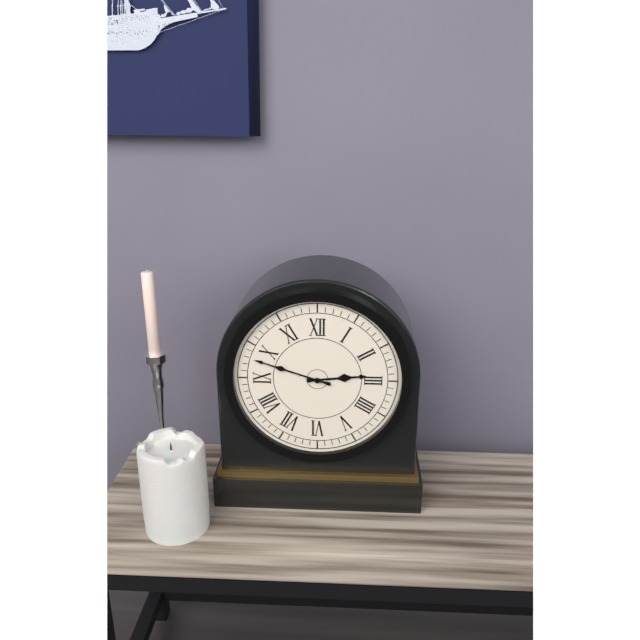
2:48
